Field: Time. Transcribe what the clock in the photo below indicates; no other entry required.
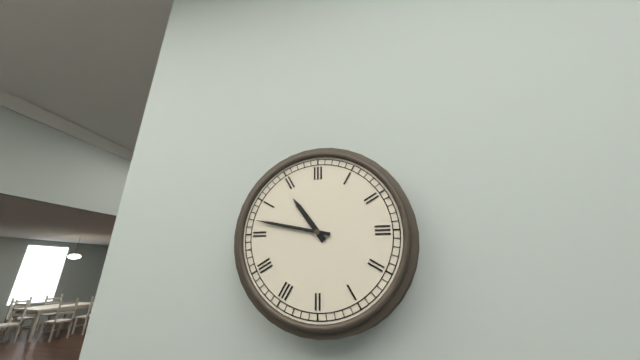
10:47
